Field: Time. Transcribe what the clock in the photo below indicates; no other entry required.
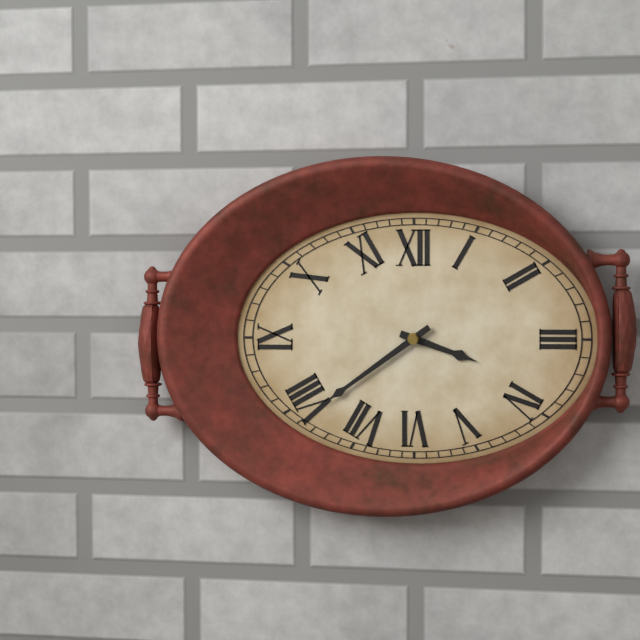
3:39
